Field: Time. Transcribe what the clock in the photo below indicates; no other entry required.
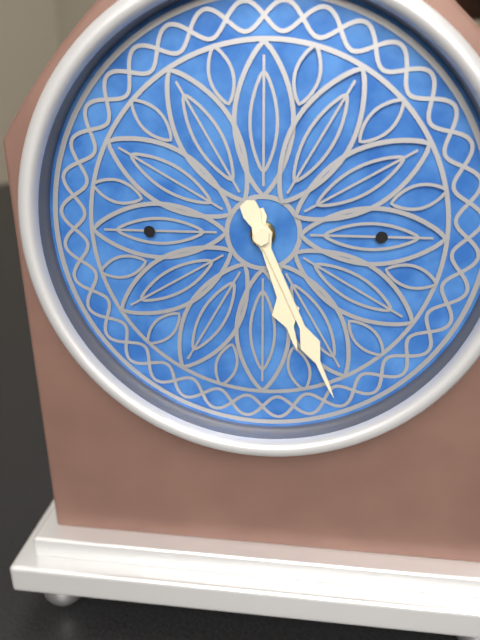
5:26
